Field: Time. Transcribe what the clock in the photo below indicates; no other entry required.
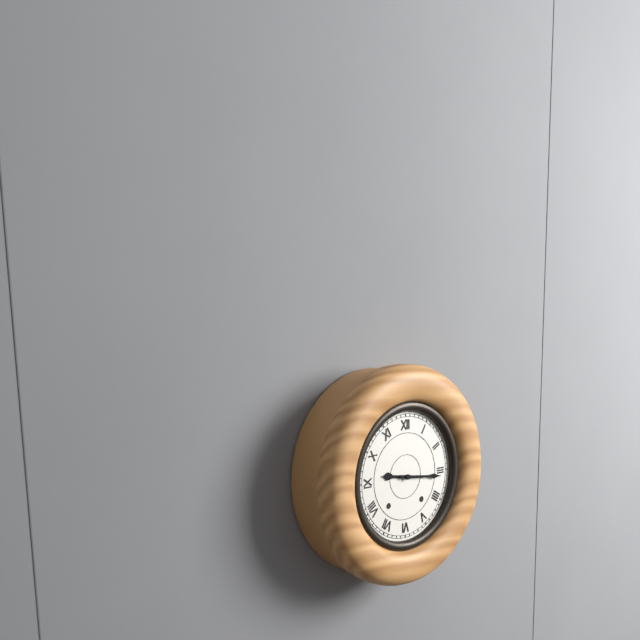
9:16
